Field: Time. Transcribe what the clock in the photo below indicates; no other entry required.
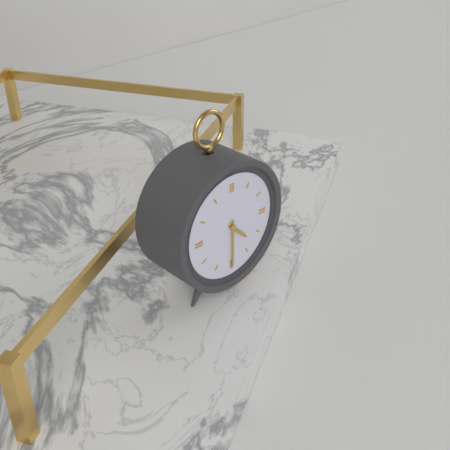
4:30
